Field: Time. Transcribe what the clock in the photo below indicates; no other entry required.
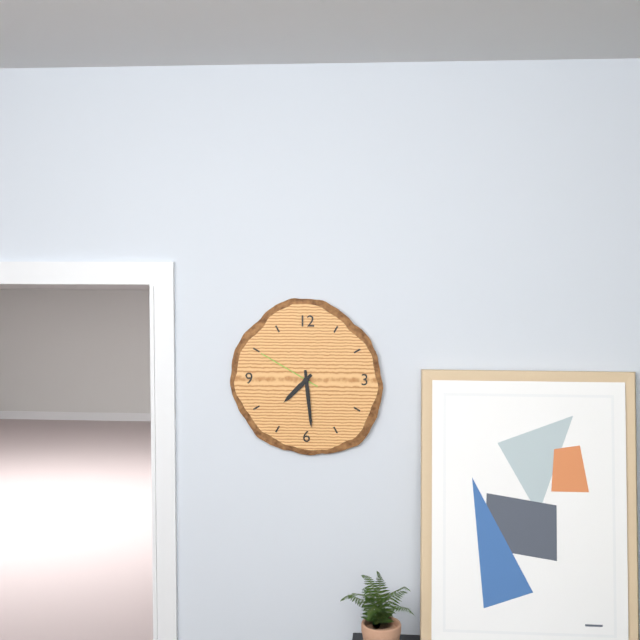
7:29:50
